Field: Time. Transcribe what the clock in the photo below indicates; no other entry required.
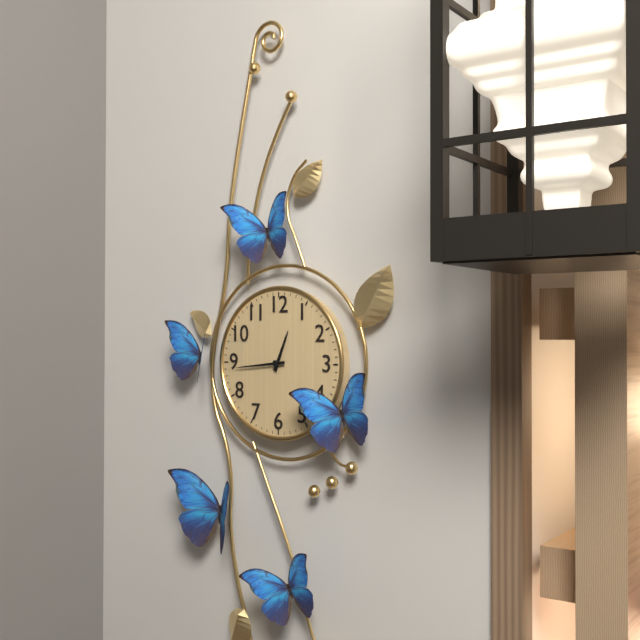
12:44
